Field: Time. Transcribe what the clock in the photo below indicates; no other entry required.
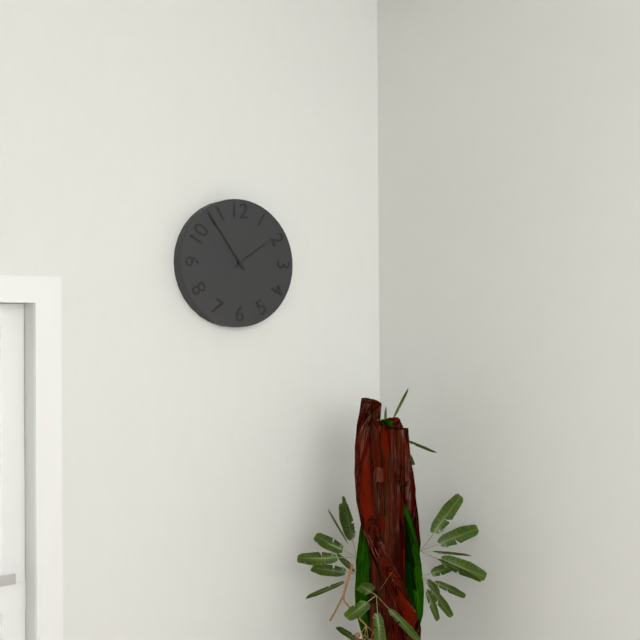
1:54
